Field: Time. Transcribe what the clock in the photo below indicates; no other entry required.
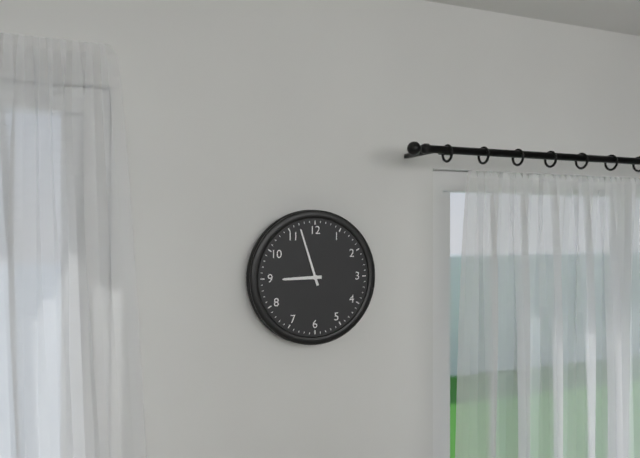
8:57
